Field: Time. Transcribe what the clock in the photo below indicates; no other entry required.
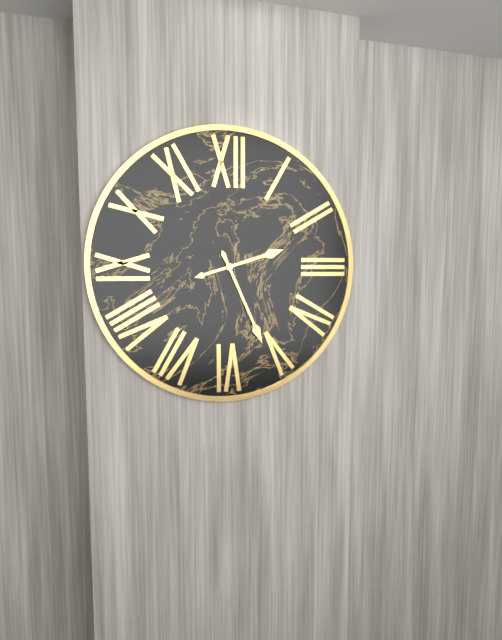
2:26
